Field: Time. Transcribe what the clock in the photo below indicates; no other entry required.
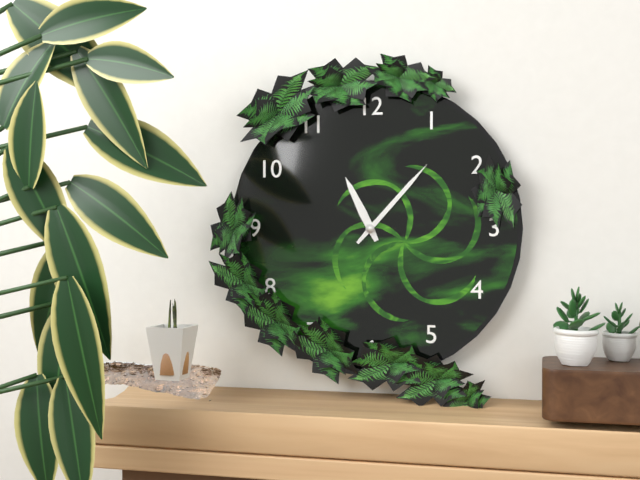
11:07
